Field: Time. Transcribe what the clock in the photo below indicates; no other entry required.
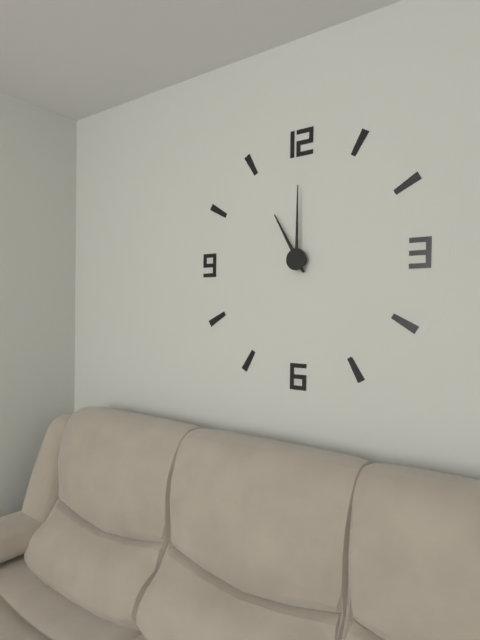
11:00
